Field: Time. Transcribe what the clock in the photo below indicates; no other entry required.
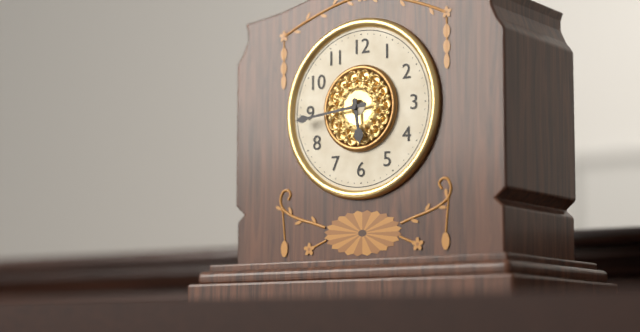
5:44
